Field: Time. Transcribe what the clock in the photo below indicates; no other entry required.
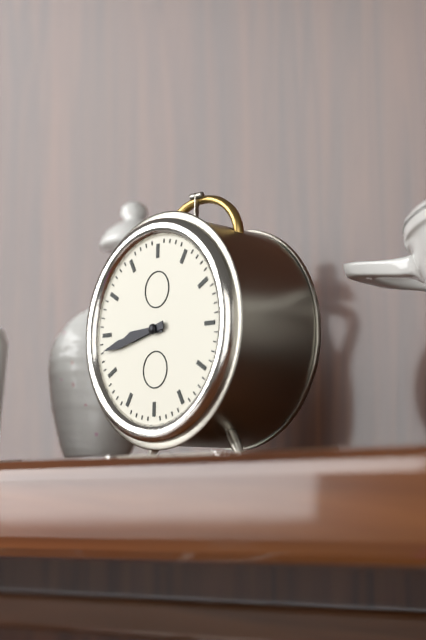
8:43
